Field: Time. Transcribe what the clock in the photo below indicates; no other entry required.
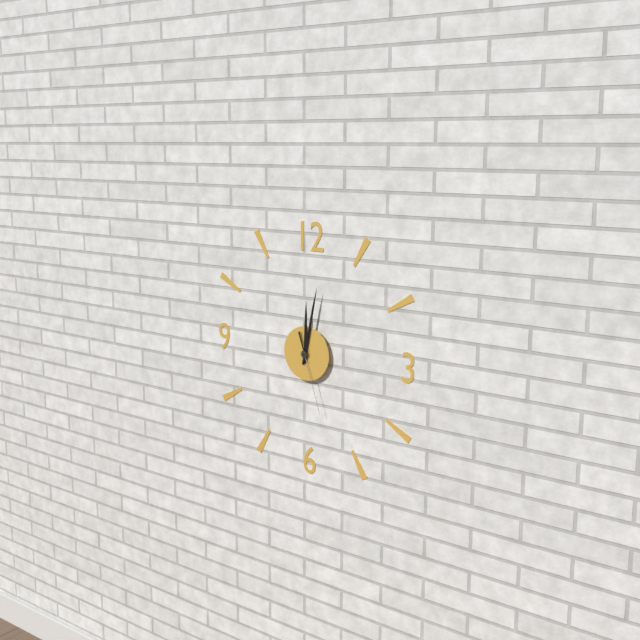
12:02:27
